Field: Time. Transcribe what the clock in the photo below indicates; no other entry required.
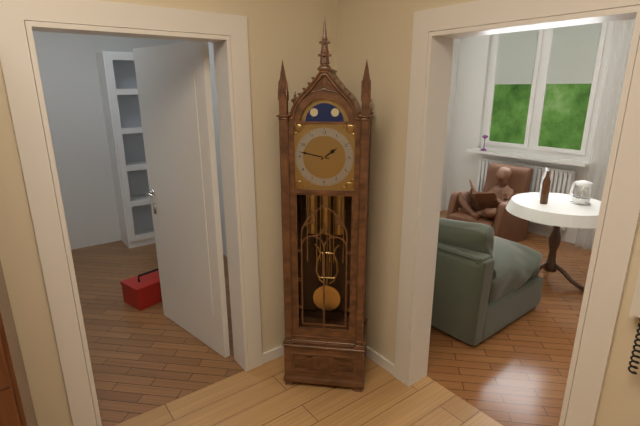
1:47
